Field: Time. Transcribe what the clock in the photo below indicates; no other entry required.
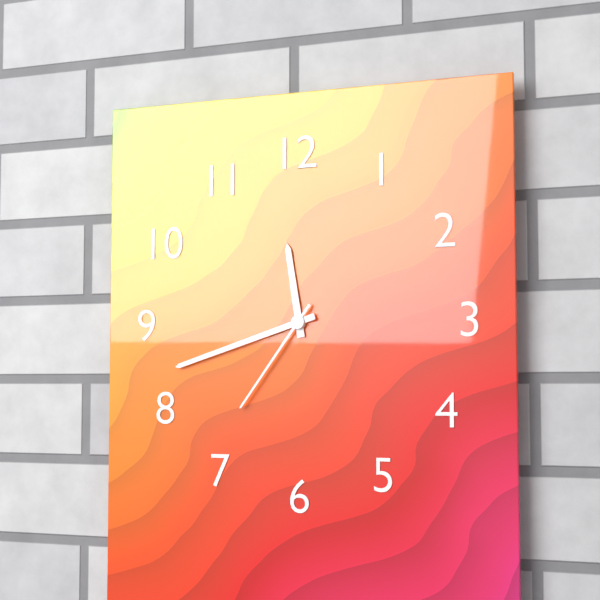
11:42:36
